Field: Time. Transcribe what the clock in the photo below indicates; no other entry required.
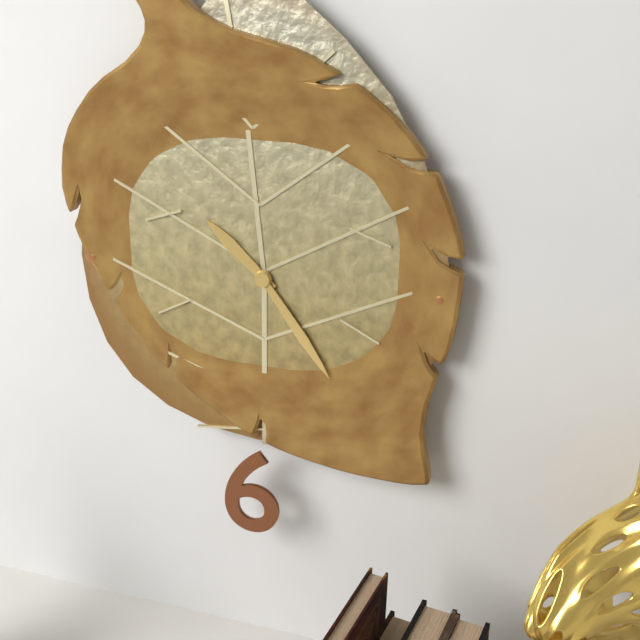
10:24
